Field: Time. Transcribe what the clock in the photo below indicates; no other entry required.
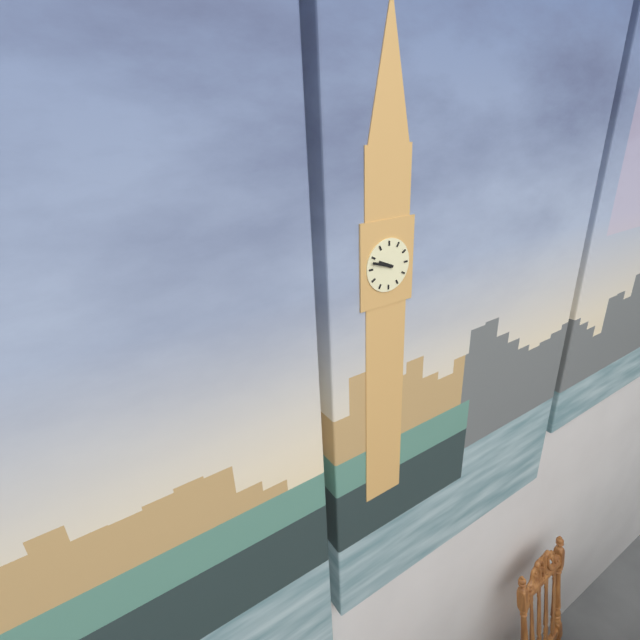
9:48
